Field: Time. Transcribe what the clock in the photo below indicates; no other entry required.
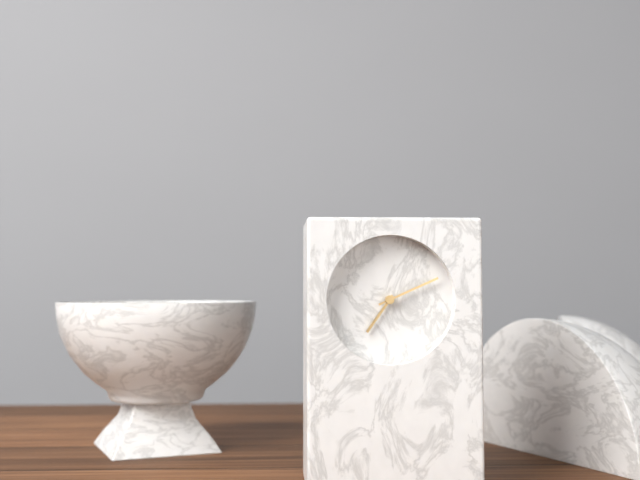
7:11
